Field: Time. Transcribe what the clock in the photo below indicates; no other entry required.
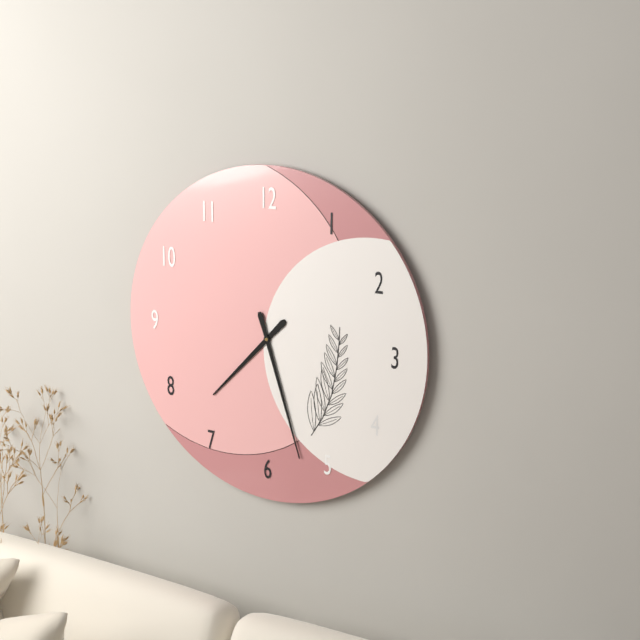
7:27
